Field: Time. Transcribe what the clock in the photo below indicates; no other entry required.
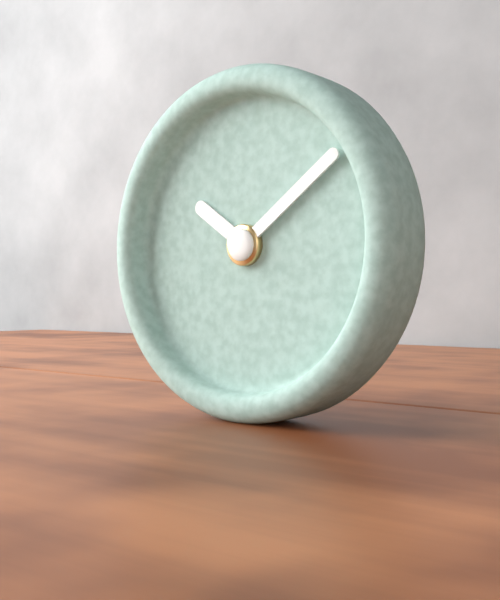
10:09
